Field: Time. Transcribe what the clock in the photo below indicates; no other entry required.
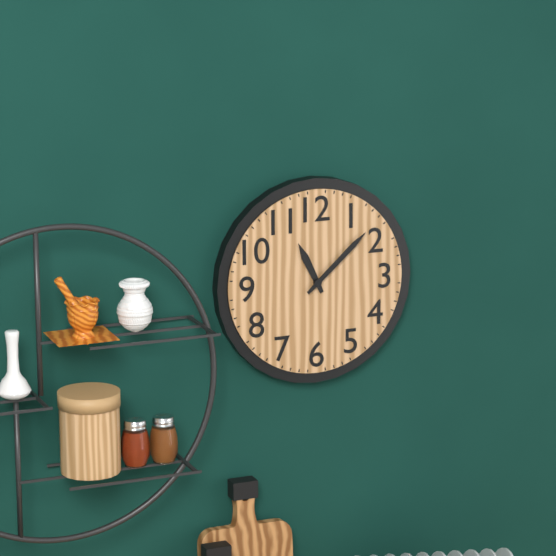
11:08
